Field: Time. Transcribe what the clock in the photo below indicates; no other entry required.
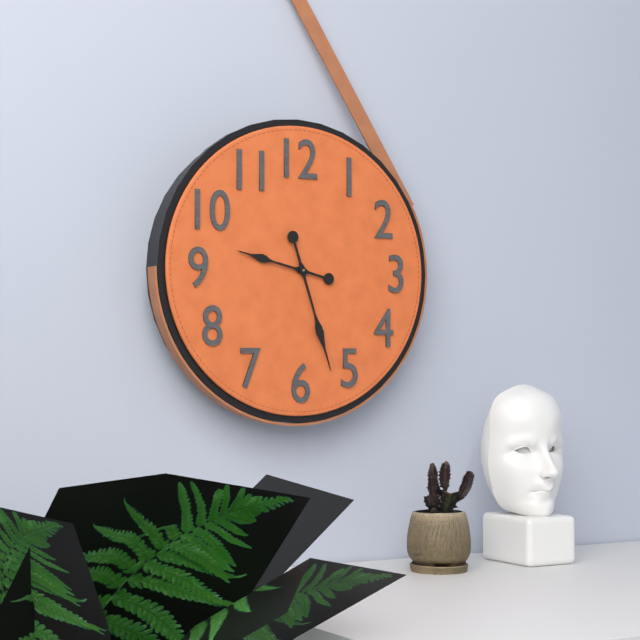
9:27
